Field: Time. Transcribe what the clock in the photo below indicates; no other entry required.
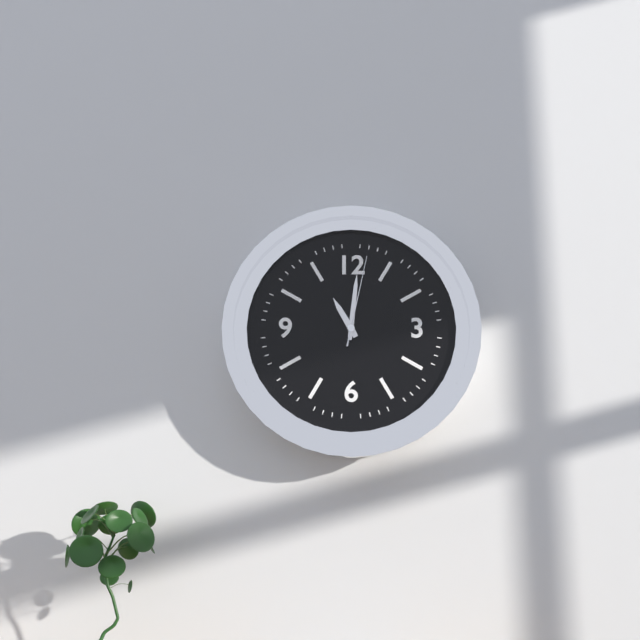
11:01:02
